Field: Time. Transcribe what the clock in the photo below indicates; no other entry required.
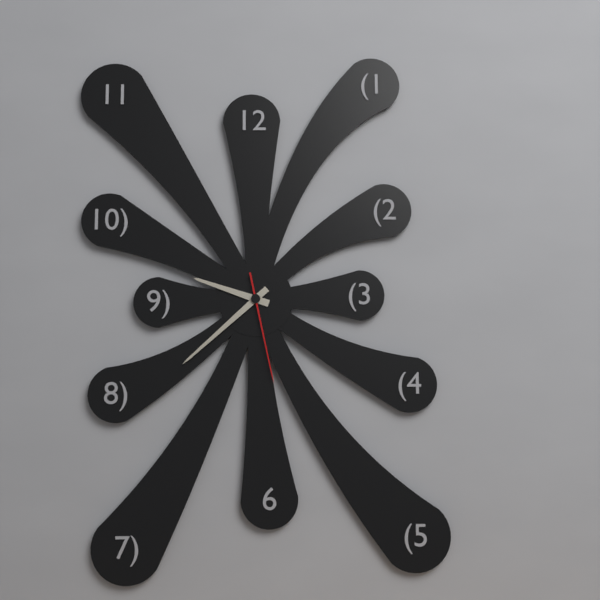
9:38:28
